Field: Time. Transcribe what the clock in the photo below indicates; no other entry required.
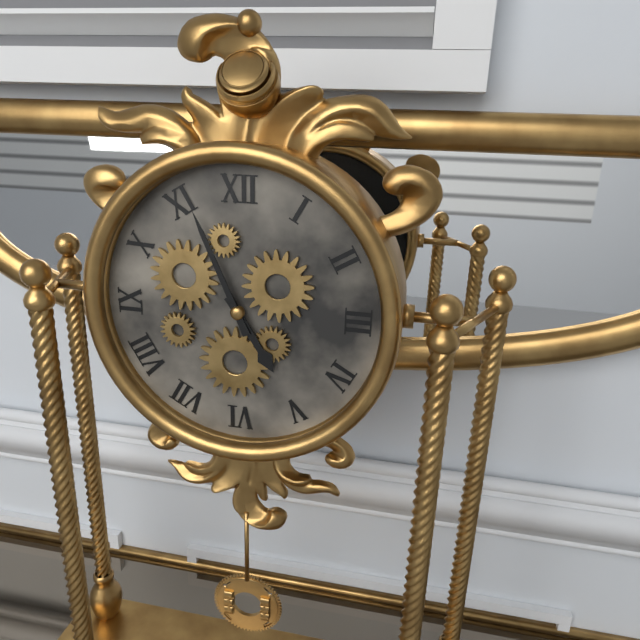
4:56
